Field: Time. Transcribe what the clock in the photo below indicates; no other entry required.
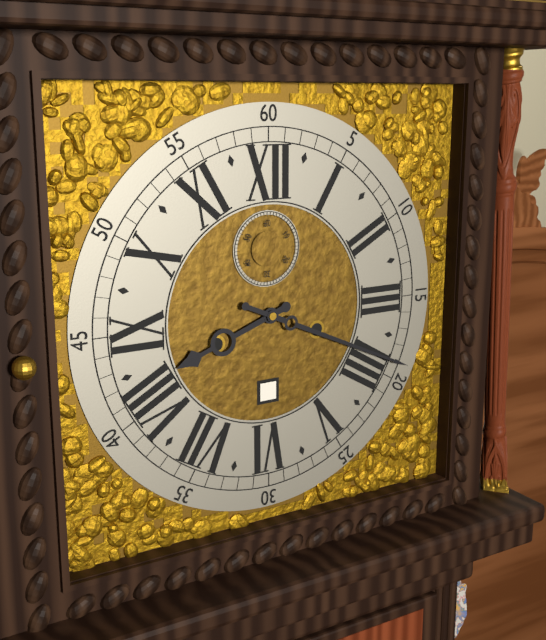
8:19
